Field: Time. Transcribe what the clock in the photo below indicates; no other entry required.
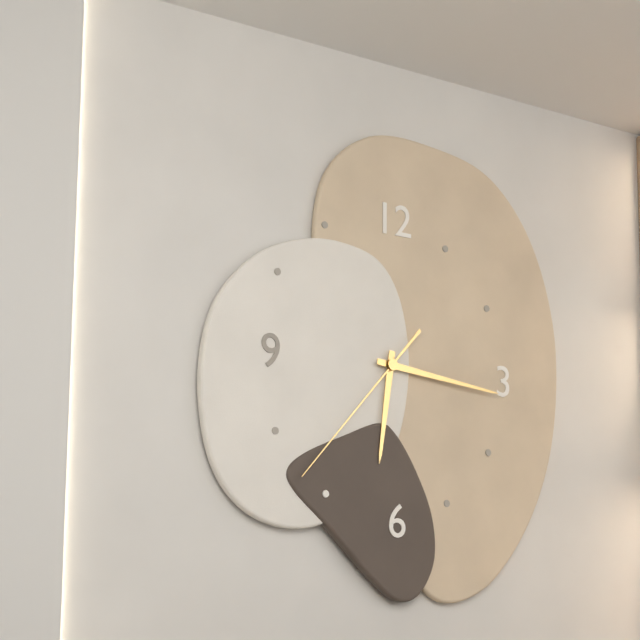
6:16:37
